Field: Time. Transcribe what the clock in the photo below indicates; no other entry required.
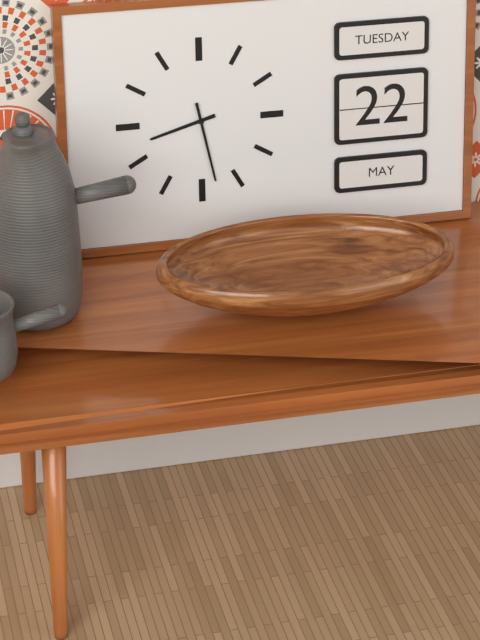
8:28
